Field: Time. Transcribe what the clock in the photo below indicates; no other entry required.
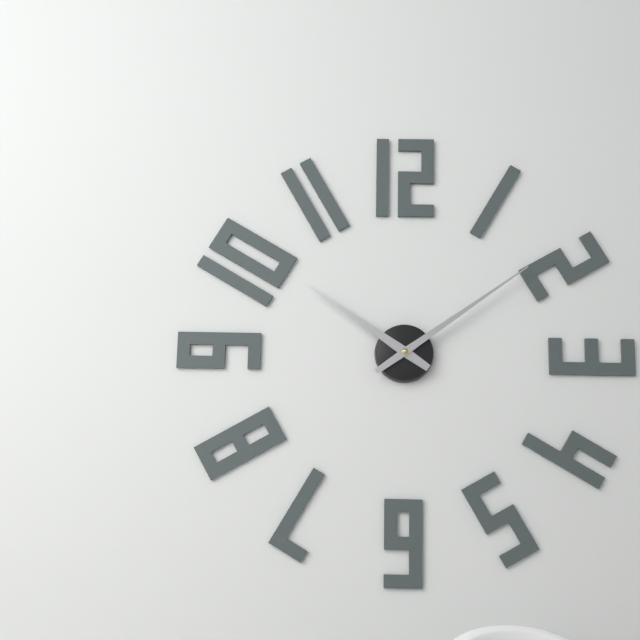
10:09
